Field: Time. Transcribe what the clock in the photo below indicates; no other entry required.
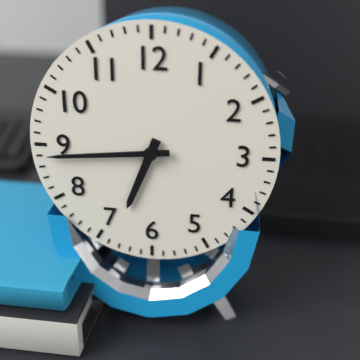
6:44
